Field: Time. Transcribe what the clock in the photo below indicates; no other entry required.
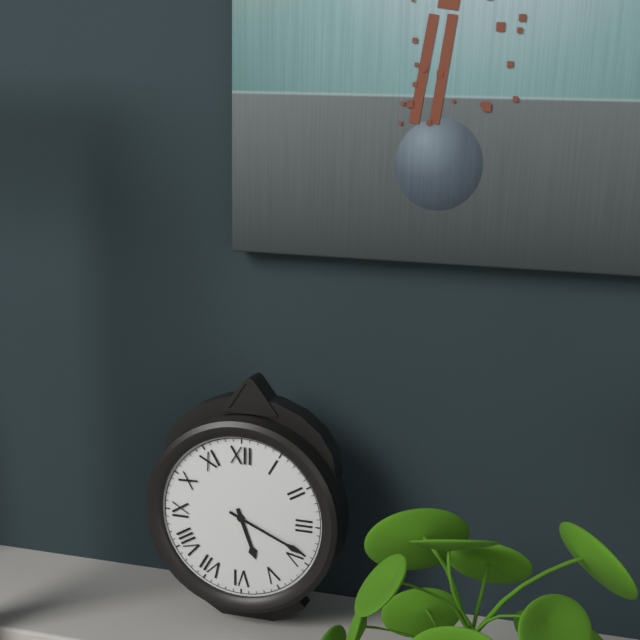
5:19
